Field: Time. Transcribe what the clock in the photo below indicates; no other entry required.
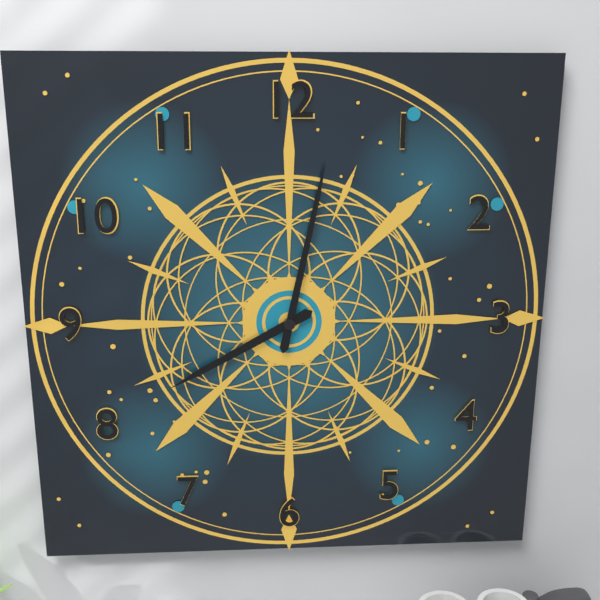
8:02
